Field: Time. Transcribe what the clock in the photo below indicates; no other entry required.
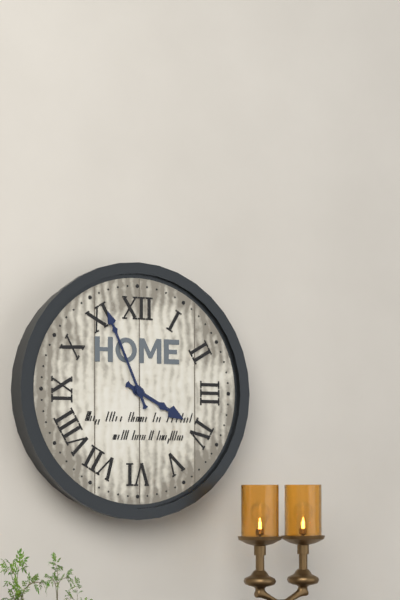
3:56
